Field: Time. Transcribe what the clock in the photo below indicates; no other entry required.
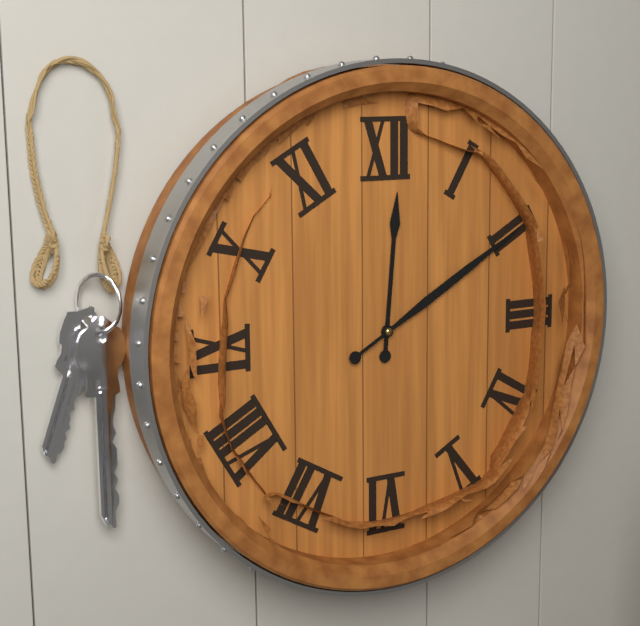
12:10
